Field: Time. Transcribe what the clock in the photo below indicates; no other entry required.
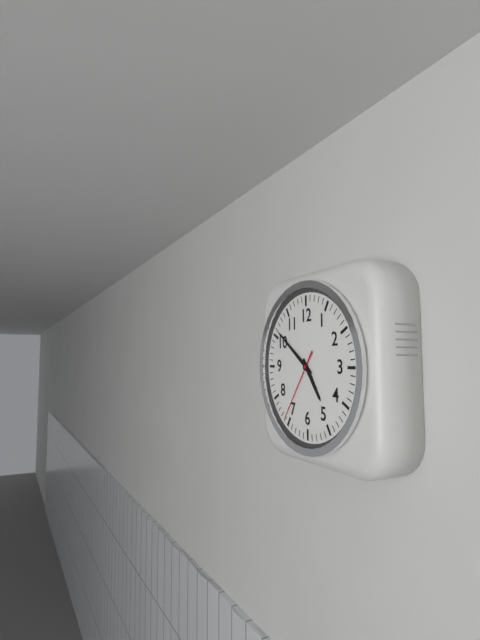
4:51:36
